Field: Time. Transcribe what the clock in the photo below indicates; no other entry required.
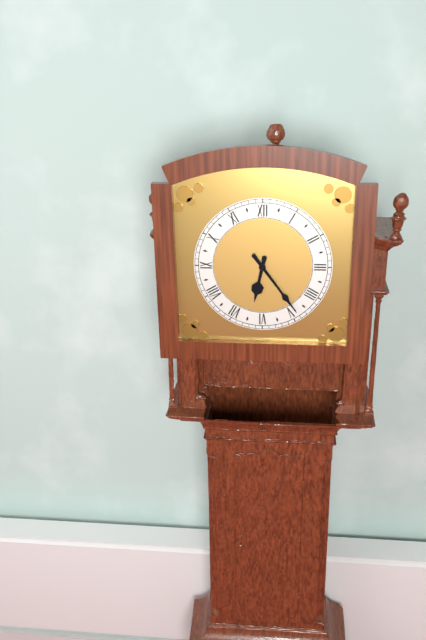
6:24
